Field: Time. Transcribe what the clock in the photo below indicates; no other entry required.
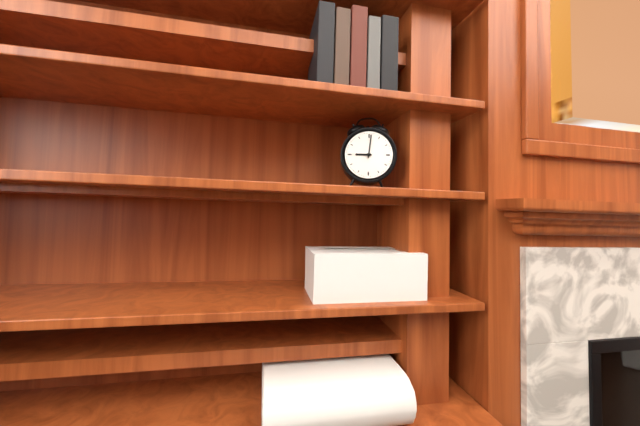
9:01
